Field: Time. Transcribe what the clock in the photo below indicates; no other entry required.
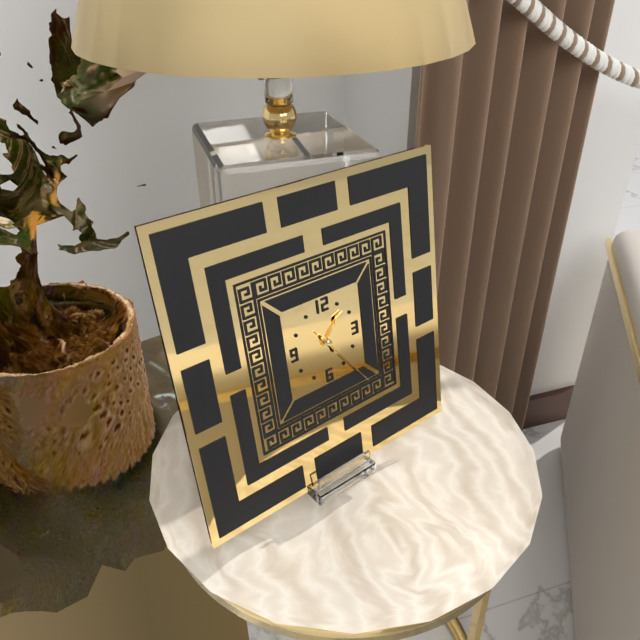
1:24:24
